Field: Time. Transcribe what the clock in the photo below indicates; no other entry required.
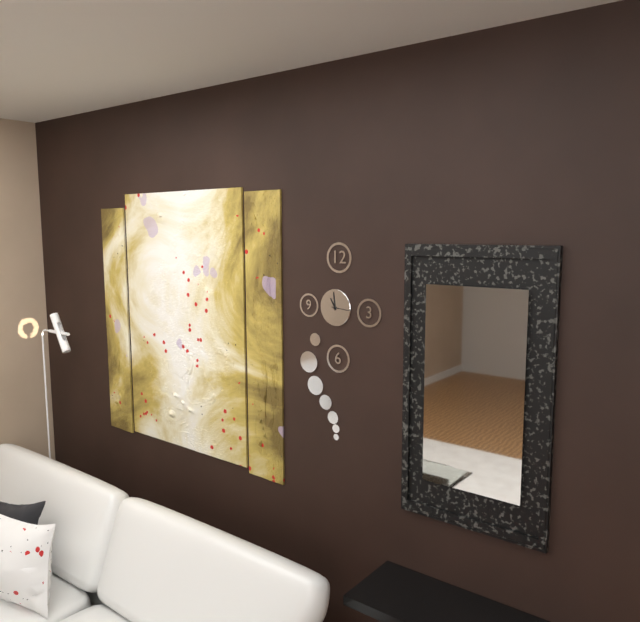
10:59
